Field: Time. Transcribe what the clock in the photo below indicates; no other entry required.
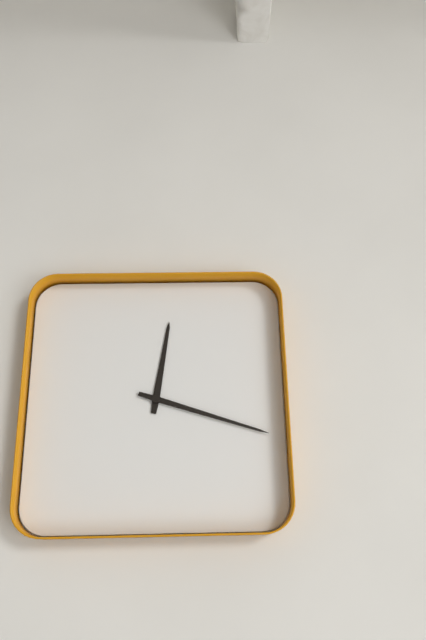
12:18
